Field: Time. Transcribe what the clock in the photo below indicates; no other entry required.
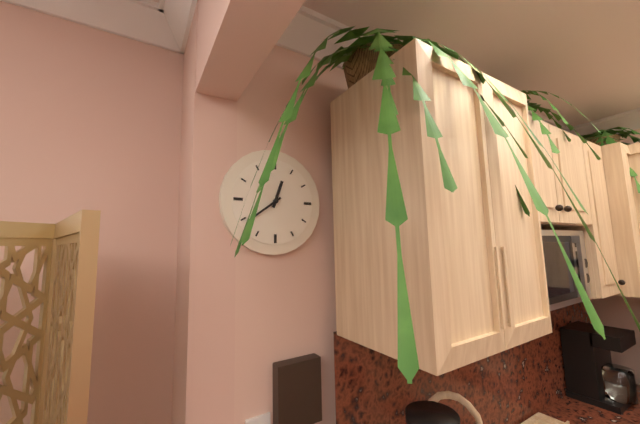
12:39
